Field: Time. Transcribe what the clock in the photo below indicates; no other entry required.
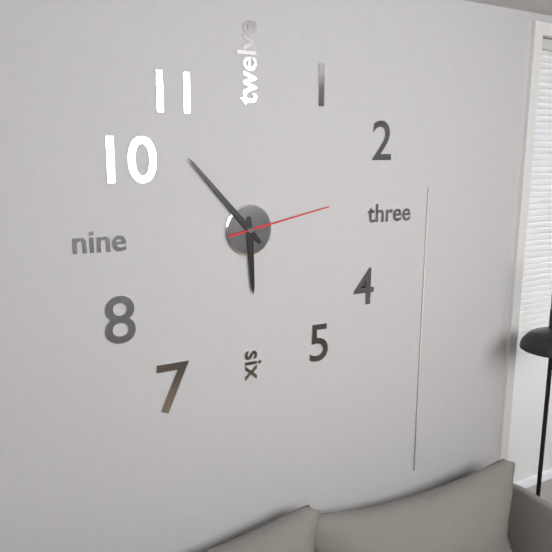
5:53:13
